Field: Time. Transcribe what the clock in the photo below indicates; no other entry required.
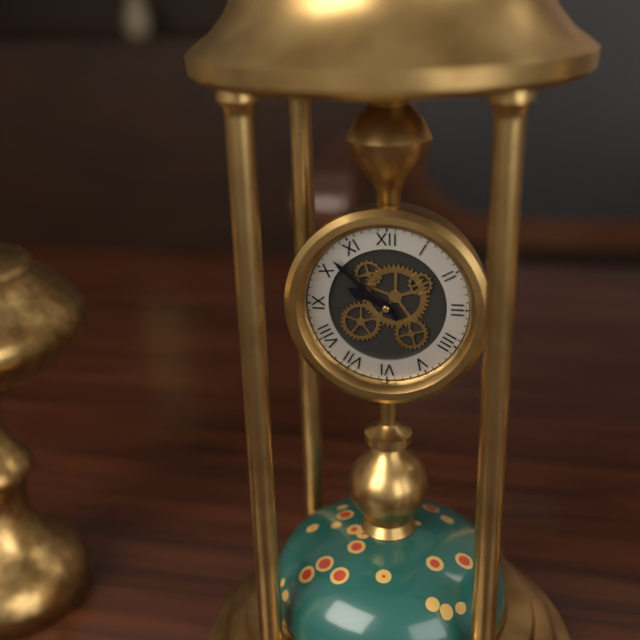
9:52
